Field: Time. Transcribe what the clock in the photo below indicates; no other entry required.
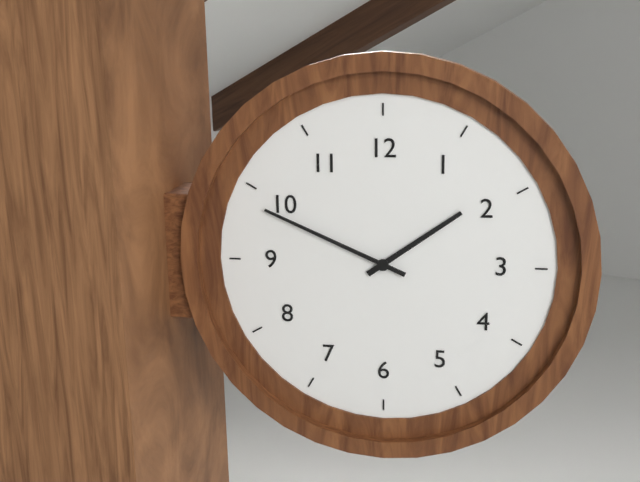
1:49
